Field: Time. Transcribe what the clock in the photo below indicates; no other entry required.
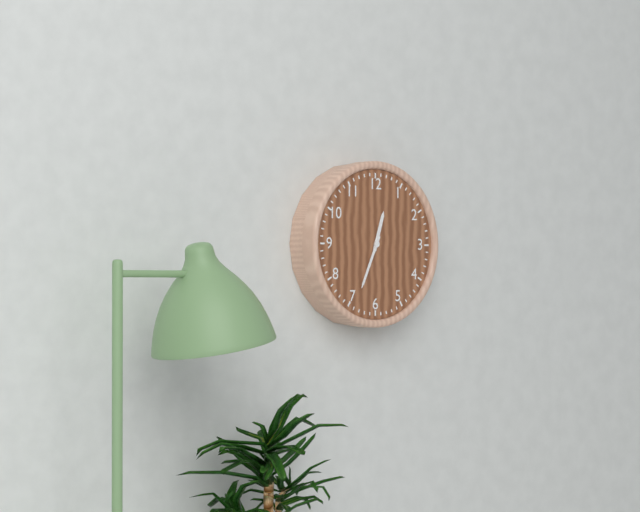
12:34
